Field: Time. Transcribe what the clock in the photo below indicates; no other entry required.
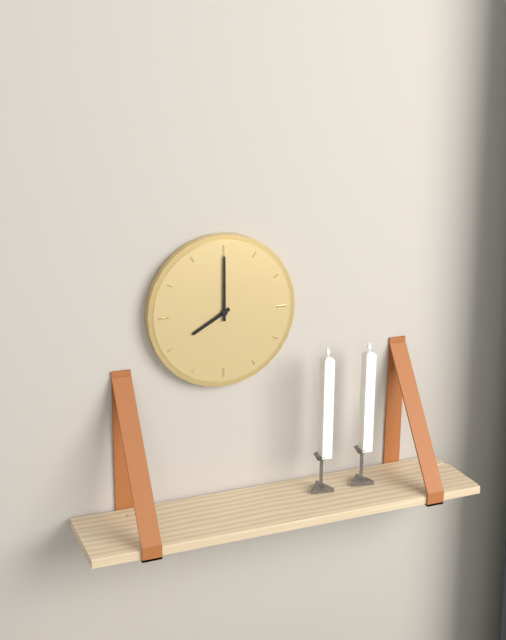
8:00
